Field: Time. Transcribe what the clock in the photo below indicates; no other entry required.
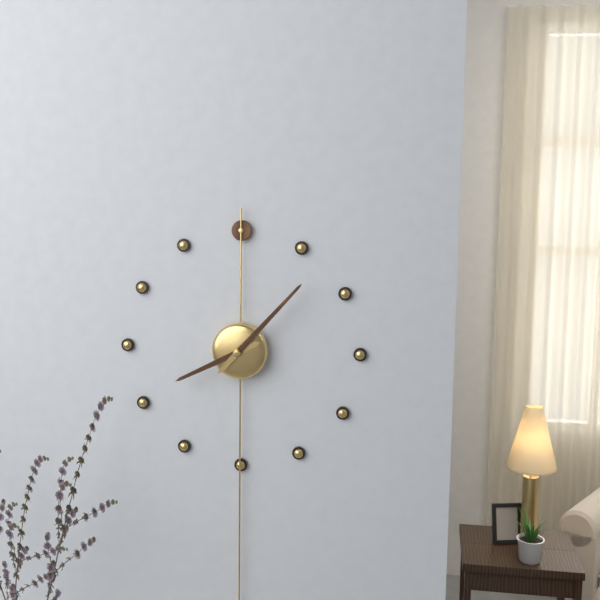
8:07
